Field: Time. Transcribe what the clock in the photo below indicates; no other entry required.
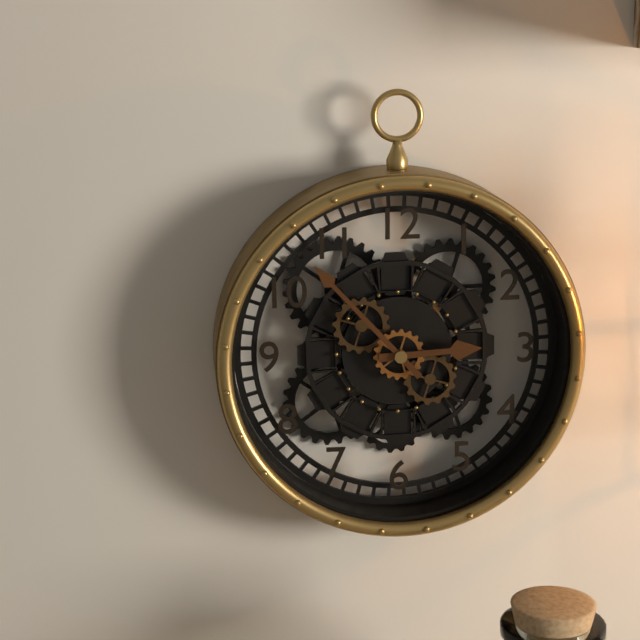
2:53
